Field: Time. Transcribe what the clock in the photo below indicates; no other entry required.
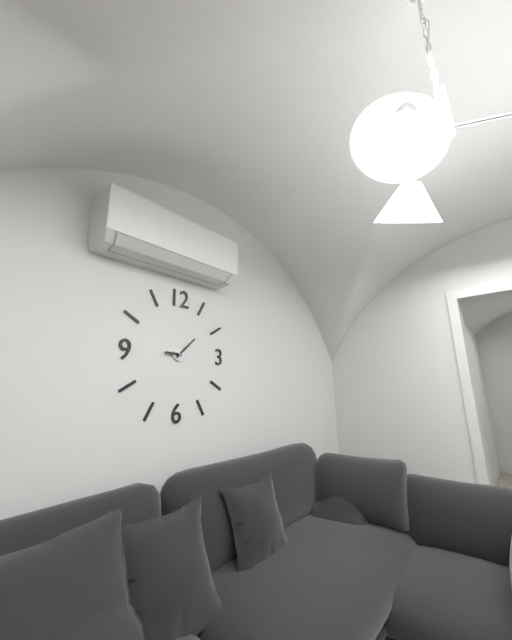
9:08
